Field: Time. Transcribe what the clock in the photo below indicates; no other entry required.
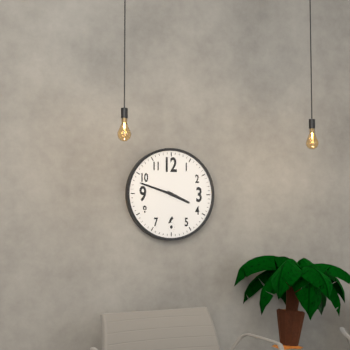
3:48
